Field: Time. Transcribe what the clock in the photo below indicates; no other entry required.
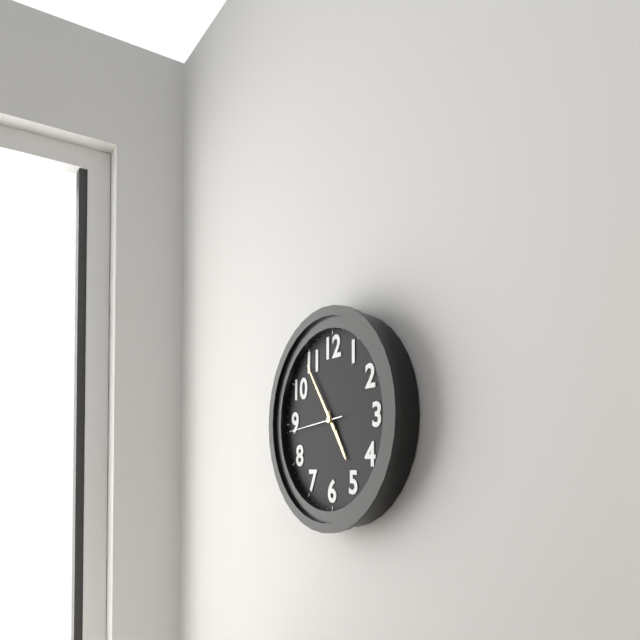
4:54:44
